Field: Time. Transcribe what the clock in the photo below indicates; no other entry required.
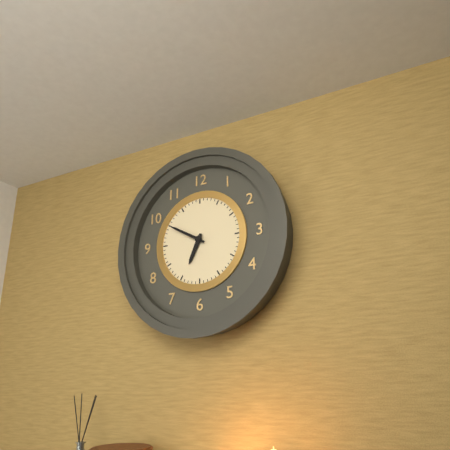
6:50
